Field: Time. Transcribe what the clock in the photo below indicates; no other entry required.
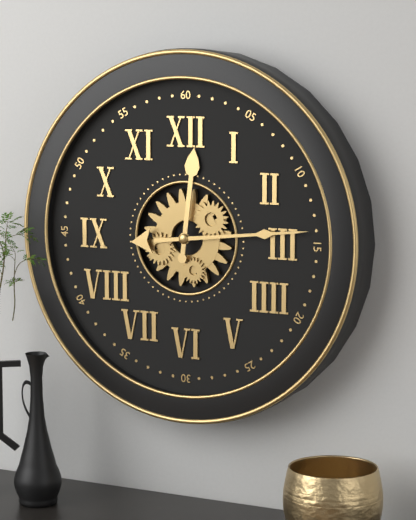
12:14
